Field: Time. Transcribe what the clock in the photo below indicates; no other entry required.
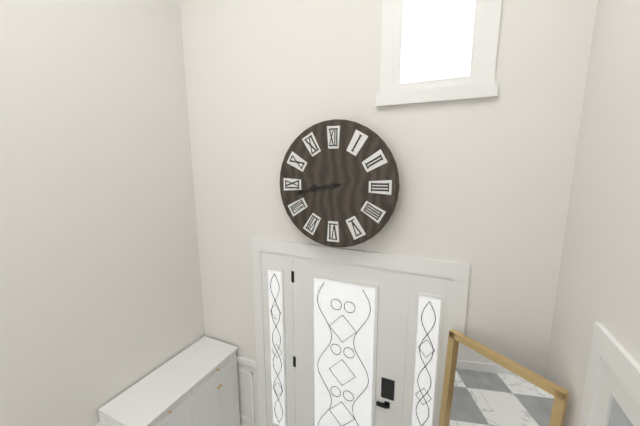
8:43
